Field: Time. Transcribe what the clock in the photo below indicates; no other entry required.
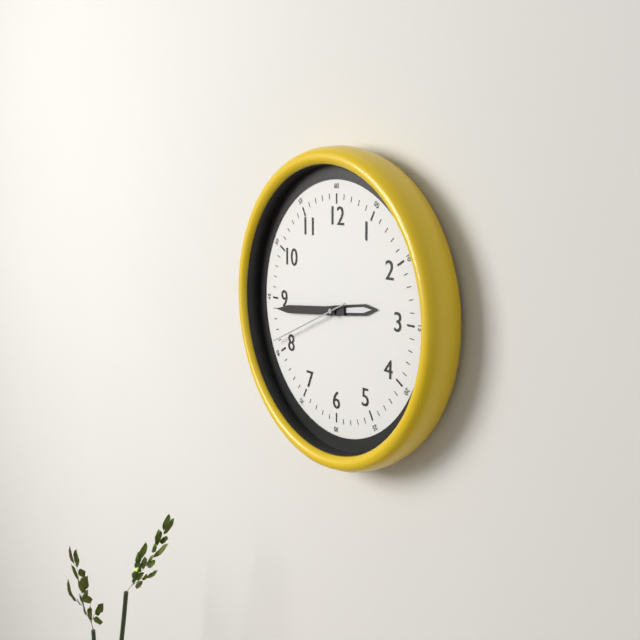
2:44:41
